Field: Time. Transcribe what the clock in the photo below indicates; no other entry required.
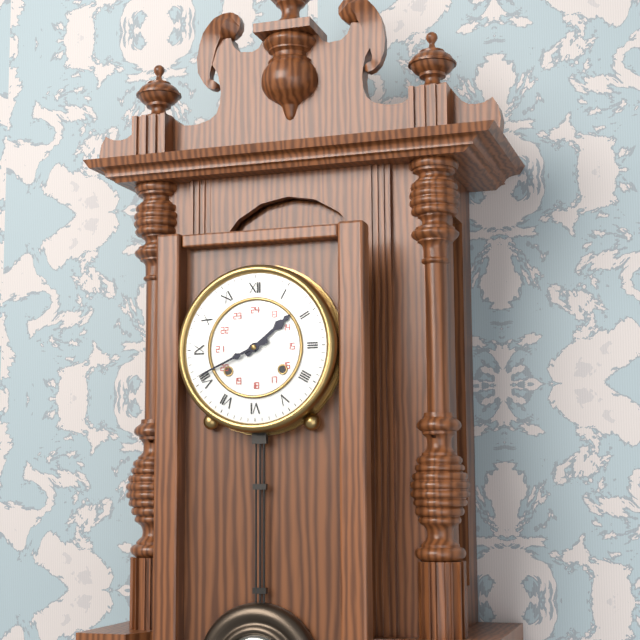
1:41
